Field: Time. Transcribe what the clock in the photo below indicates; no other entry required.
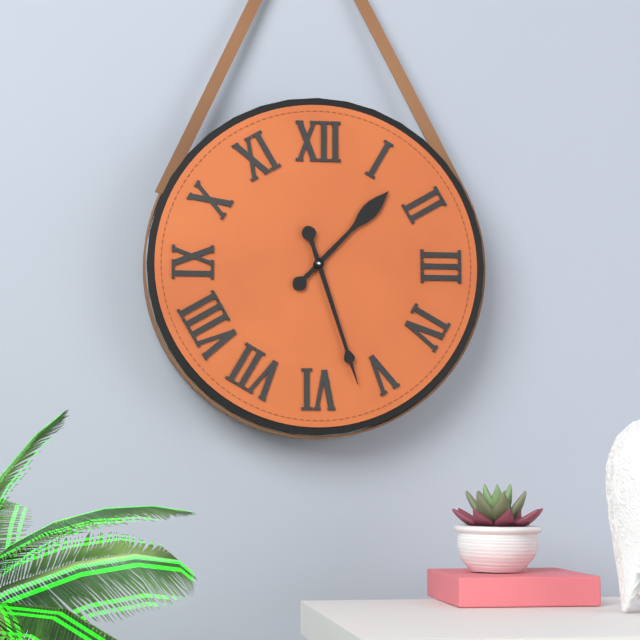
1:27
